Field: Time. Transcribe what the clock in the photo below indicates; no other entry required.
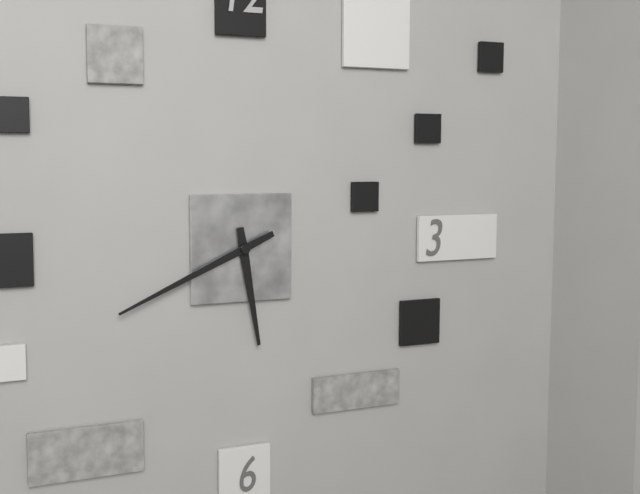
5:41
